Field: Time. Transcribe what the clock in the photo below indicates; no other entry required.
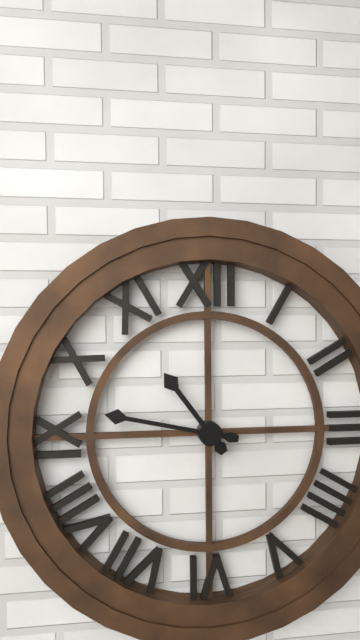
10:47
